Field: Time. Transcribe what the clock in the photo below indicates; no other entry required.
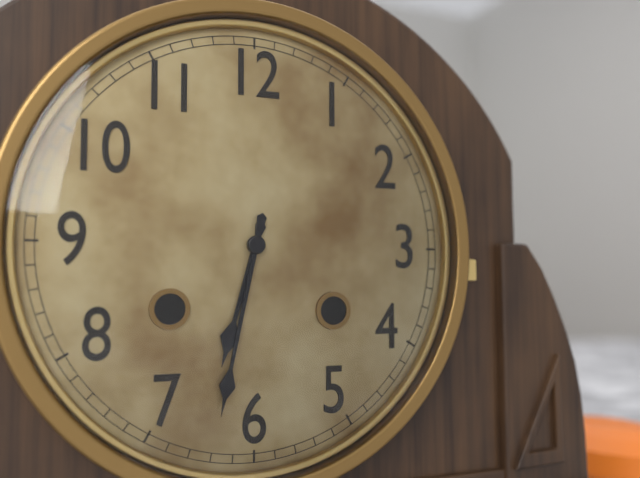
6:32
